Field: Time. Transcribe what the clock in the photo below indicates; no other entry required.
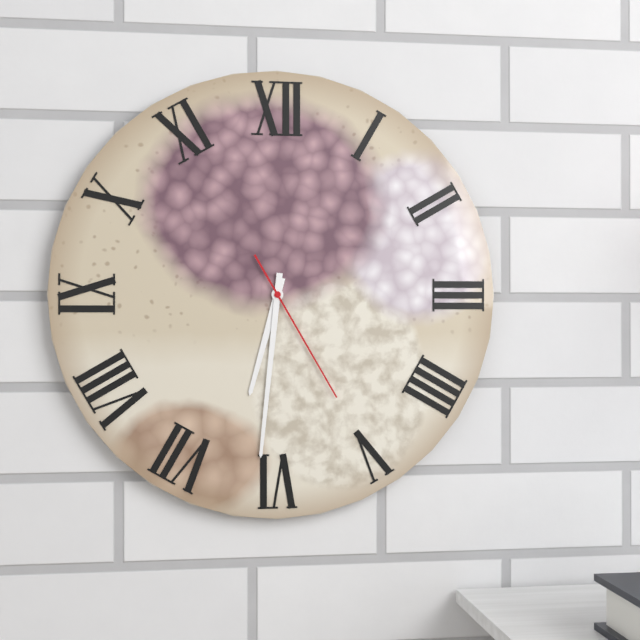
6:31:25
